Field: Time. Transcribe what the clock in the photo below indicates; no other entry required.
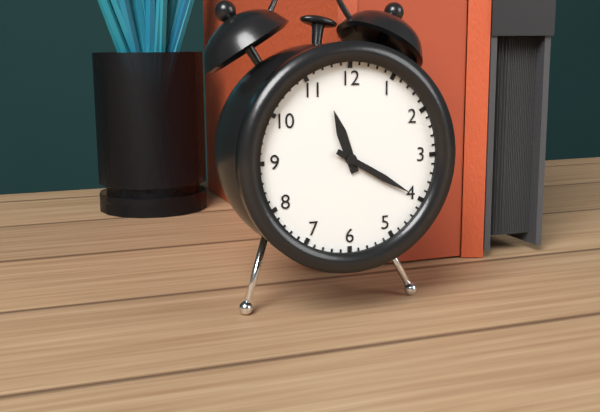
11:20
